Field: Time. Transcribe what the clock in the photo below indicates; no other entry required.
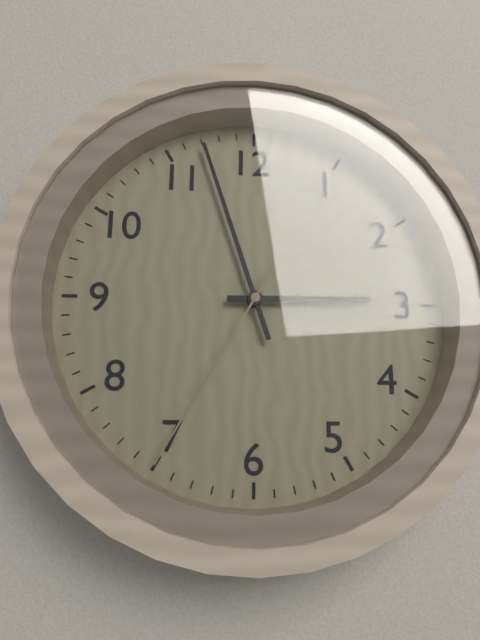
2:57:35
